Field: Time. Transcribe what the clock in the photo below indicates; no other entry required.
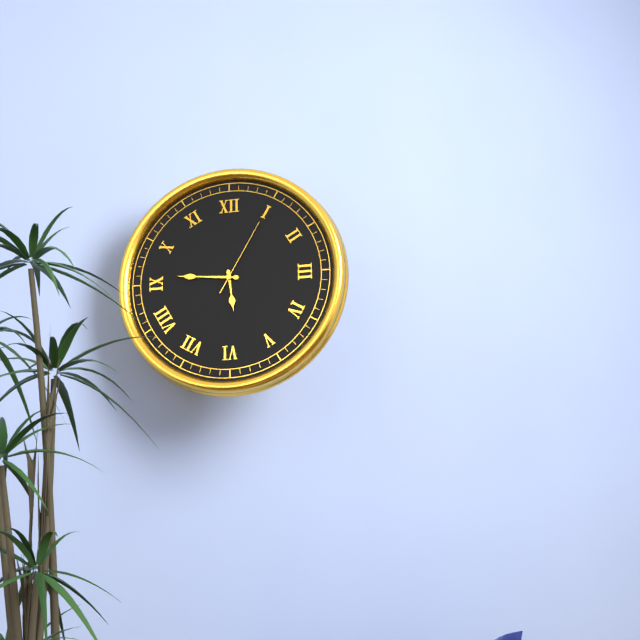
5:46:05
